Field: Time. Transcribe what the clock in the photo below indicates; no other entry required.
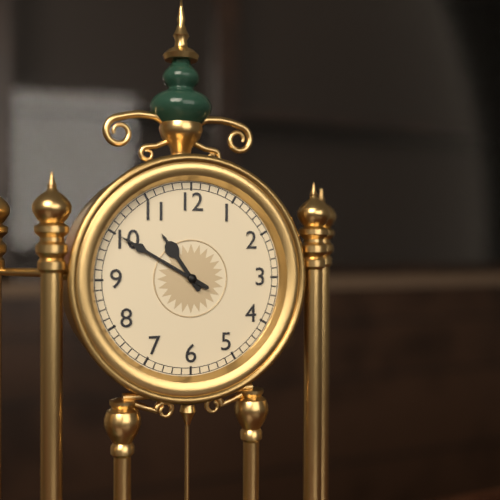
10:50
